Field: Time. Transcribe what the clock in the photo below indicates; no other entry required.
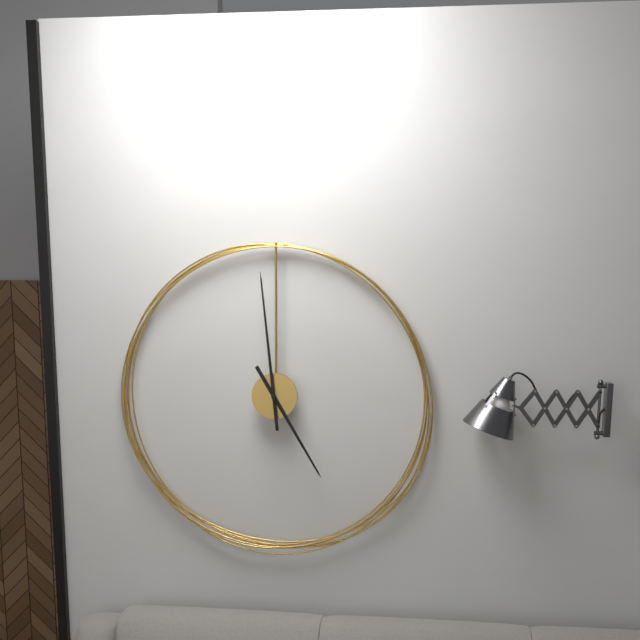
4:59
